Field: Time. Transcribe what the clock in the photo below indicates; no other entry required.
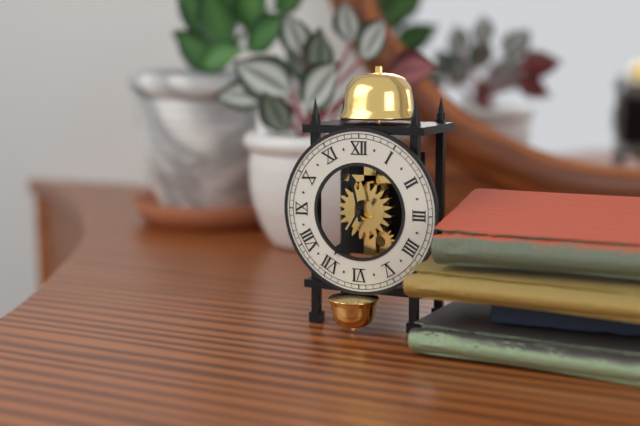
11:35
